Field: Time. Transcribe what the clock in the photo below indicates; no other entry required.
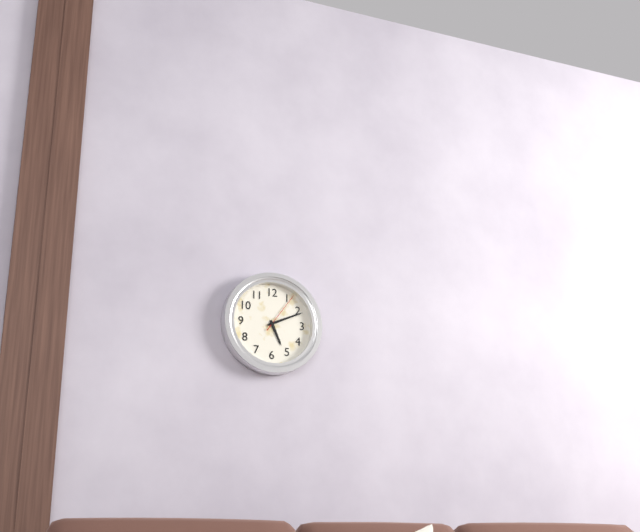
5:11
